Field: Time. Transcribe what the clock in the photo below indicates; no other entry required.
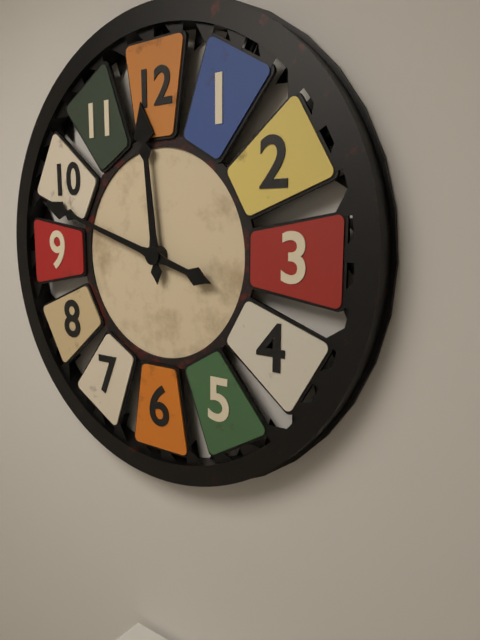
11:48
